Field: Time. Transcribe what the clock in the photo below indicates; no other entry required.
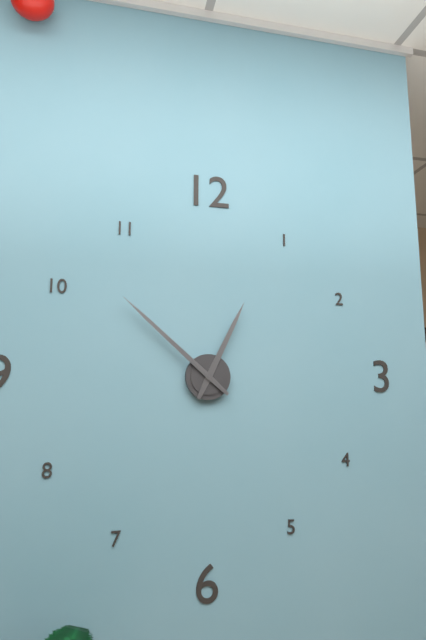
12:52
